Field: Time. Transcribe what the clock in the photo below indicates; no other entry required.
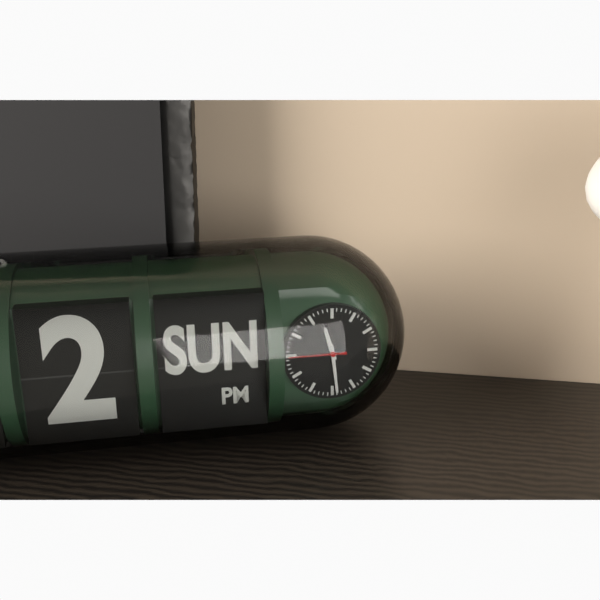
11:29:45
